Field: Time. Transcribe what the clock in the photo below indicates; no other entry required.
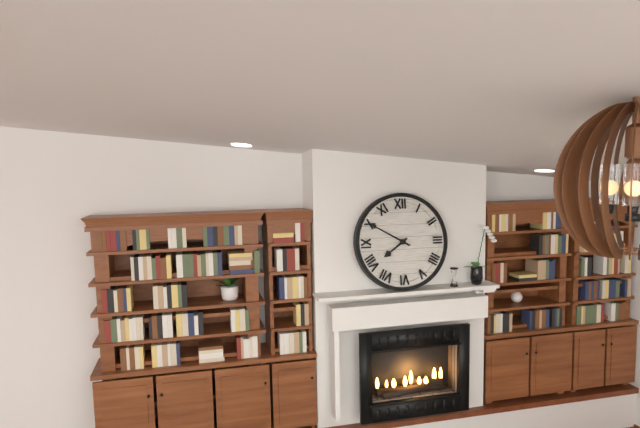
7:50
